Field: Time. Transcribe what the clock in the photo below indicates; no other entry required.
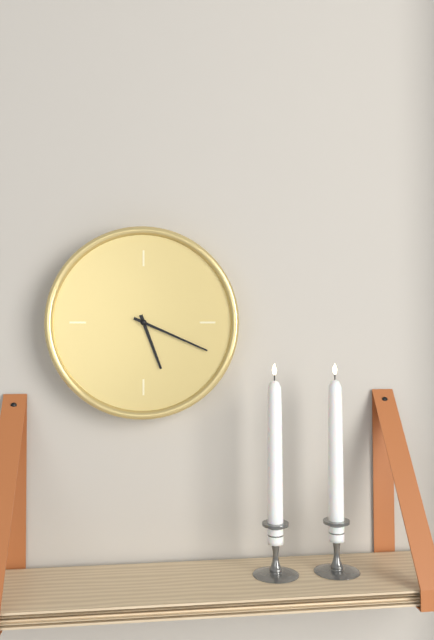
5:19
